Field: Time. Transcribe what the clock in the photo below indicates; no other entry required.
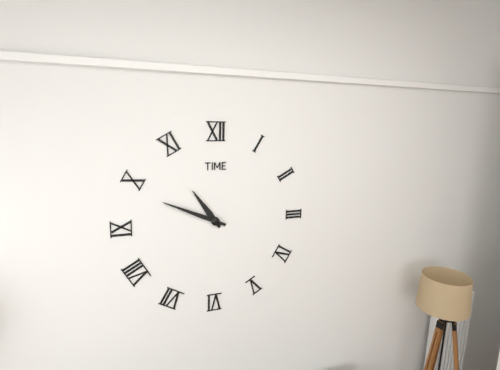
10:49
